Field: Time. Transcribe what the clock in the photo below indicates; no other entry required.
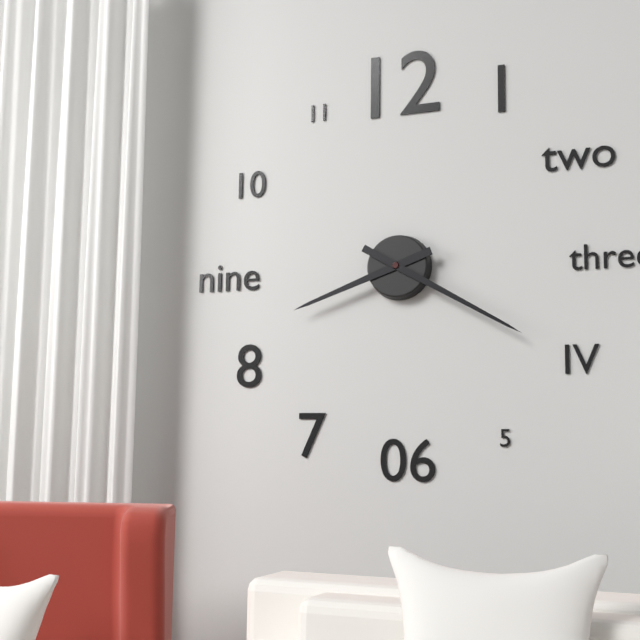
8:20
